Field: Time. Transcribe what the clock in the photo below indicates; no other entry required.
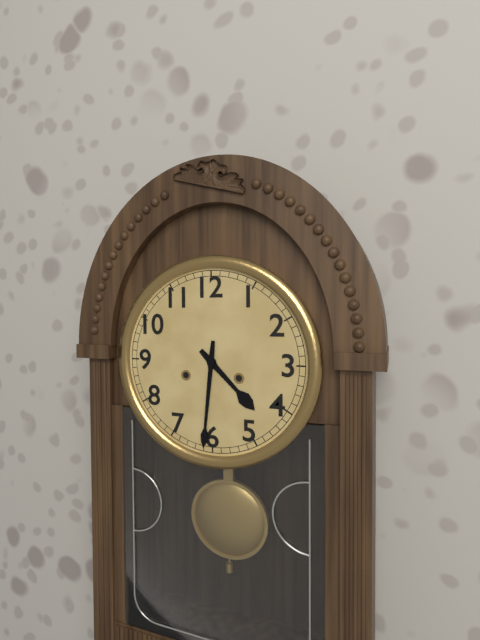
4:31
